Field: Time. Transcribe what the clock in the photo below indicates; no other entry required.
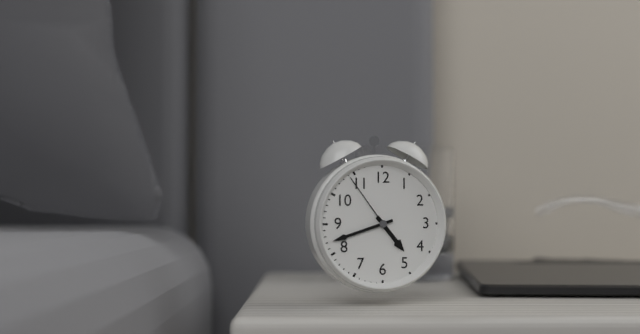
4:42:54
